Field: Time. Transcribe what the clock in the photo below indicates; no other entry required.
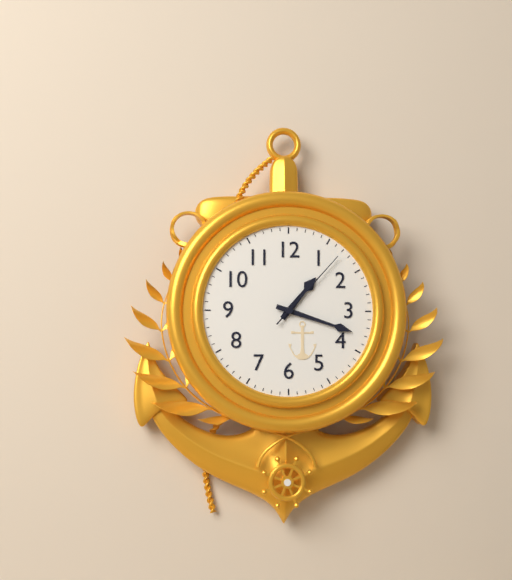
1:18:07
